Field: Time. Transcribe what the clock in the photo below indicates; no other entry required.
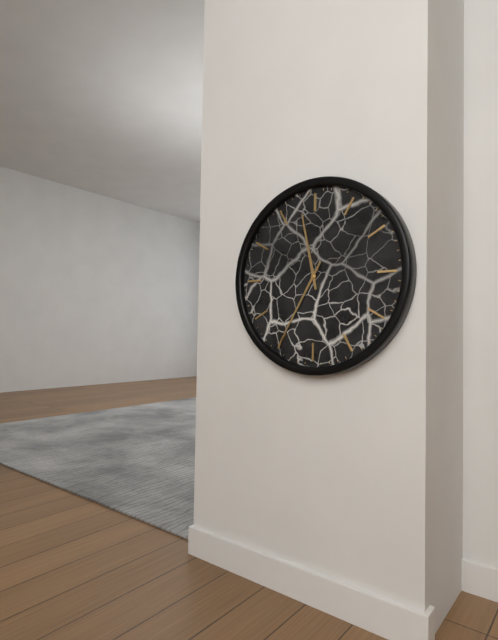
11:35
